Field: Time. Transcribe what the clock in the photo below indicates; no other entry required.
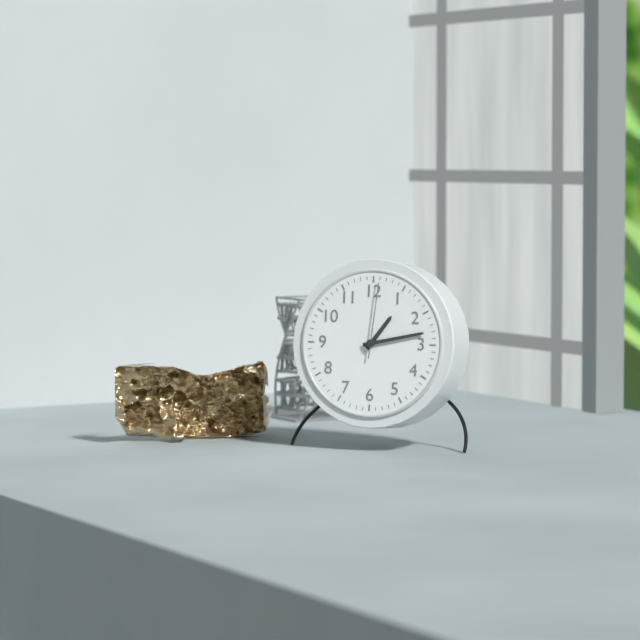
1:13:01
